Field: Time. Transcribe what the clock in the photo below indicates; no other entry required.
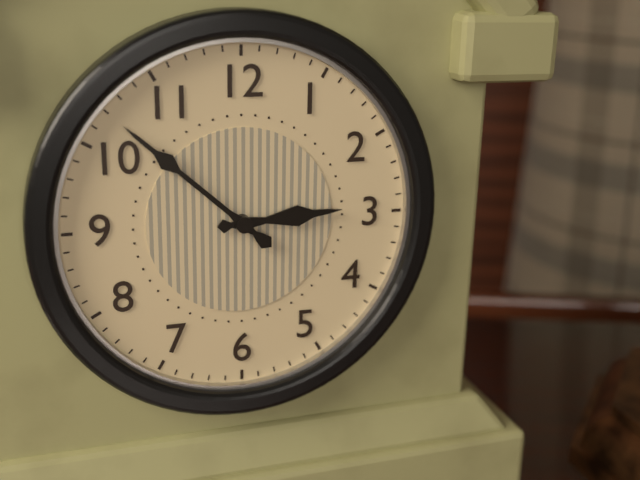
2:52
